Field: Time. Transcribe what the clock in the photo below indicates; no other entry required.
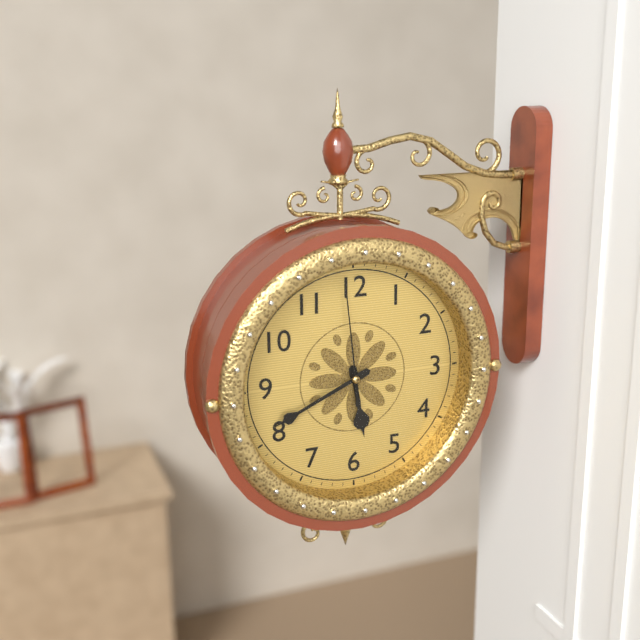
5:41:59
